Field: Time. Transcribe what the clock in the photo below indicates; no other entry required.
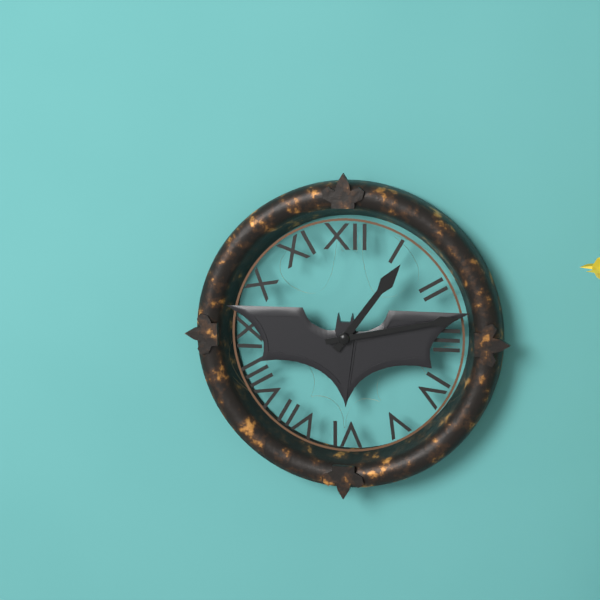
1:13
